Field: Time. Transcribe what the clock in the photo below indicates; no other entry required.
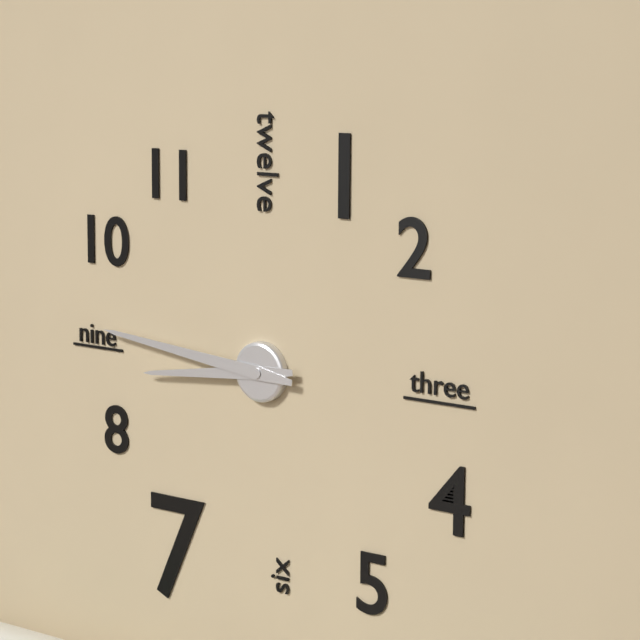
8:46
